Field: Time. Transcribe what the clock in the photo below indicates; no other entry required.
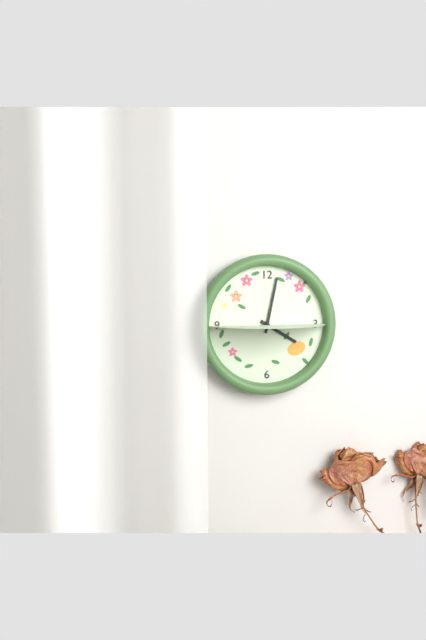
4:02
